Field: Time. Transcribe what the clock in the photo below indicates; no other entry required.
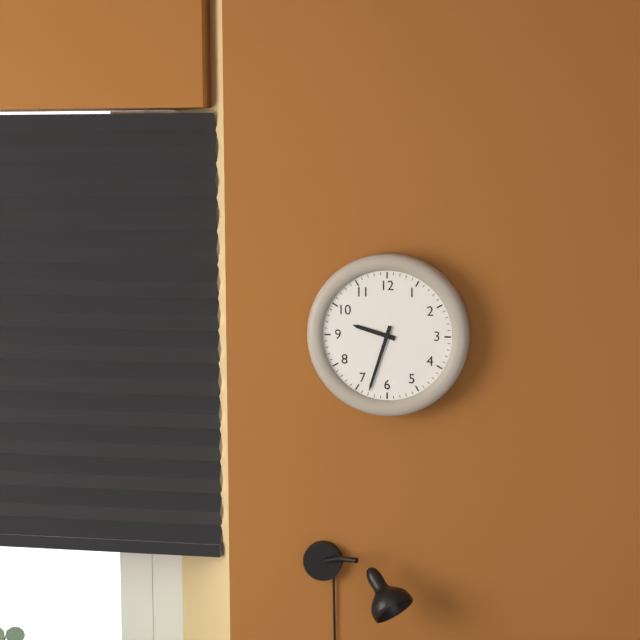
9:33
